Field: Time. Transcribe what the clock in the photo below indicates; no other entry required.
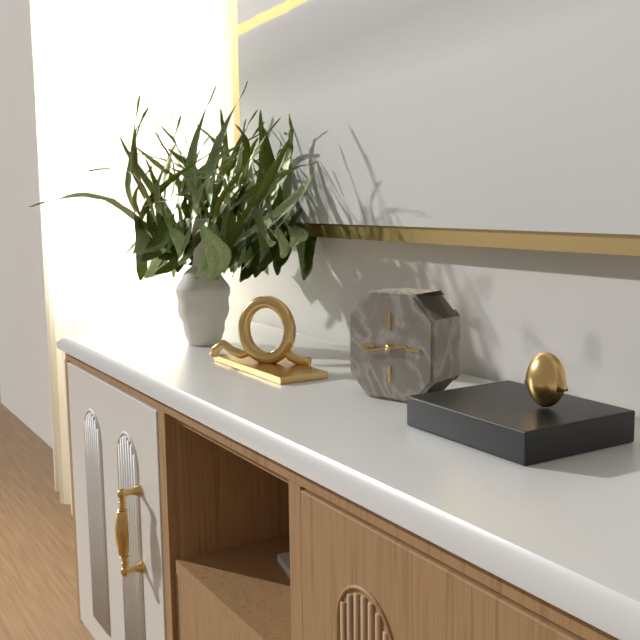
2:43
